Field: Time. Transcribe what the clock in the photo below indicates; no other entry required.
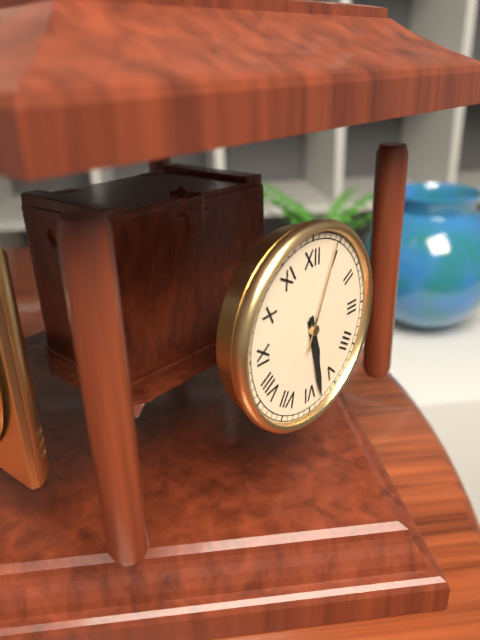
5:28:04
